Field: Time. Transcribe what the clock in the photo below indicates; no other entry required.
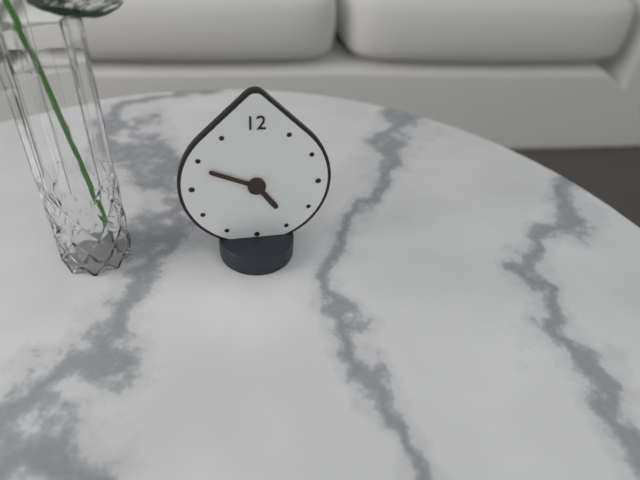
4:49
